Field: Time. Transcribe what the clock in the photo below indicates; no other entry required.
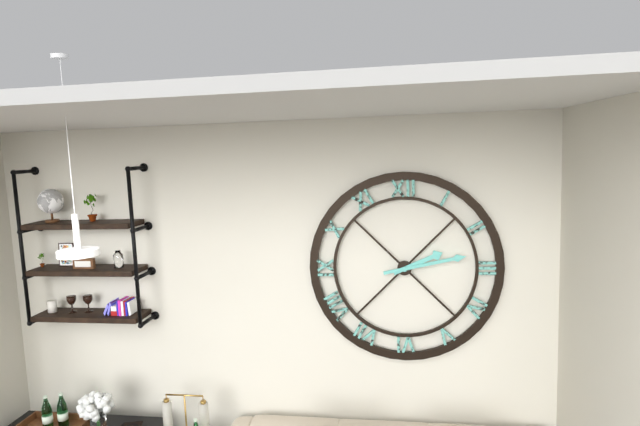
2:13
